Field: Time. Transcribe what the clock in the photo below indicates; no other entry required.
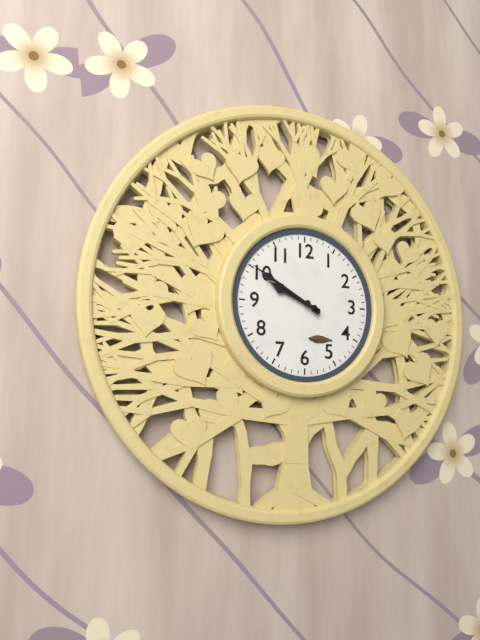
9:50
